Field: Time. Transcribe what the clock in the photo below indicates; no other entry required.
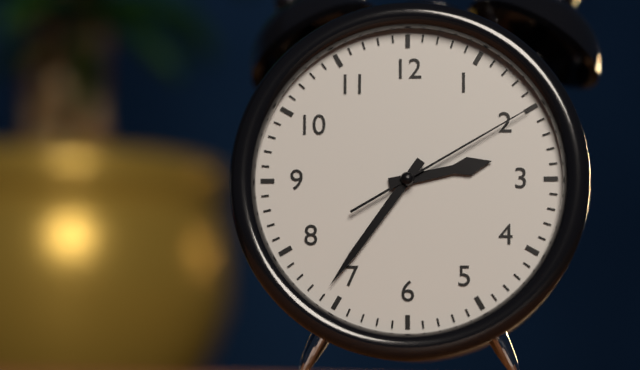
2:36:10
